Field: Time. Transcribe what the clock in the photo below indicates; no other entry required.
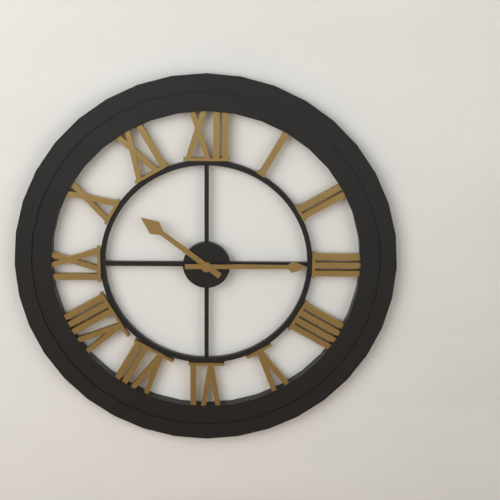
10:15
